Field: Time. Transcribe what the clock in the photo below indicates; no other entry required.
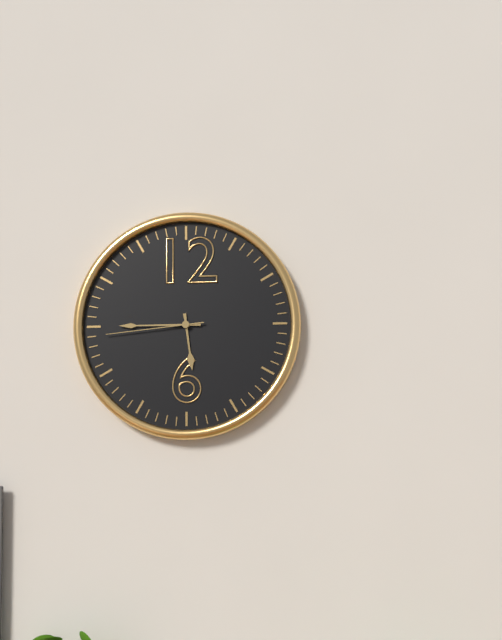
5:45:44
